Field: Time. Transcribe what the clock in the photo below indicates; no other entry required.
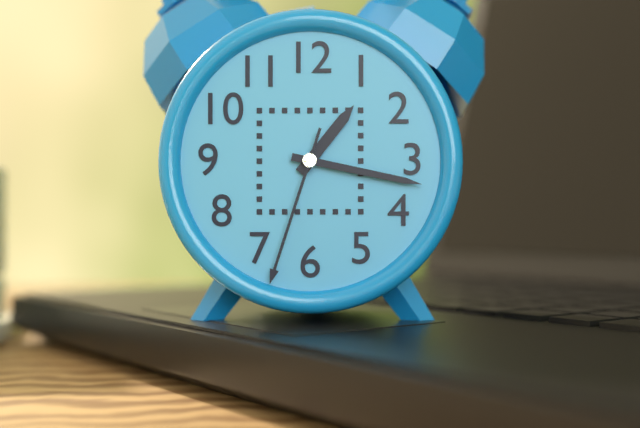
1:17:33
